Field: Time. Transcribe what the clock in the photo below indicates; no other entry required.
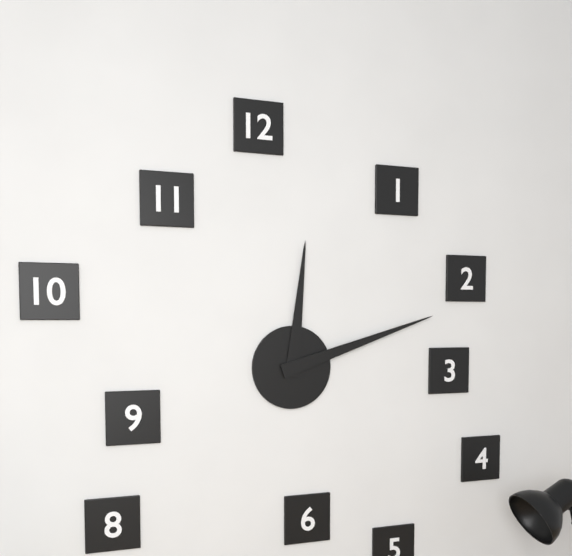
12:12
